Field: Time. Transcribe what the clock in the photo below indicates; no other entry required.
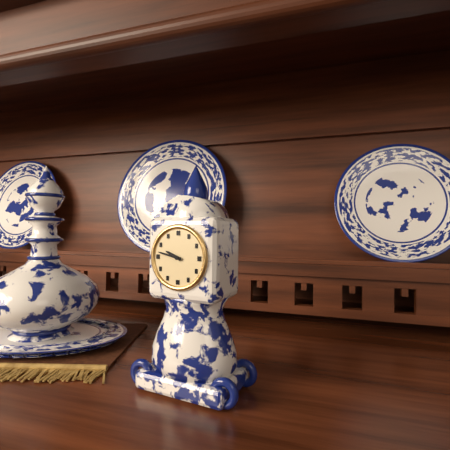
9:47
